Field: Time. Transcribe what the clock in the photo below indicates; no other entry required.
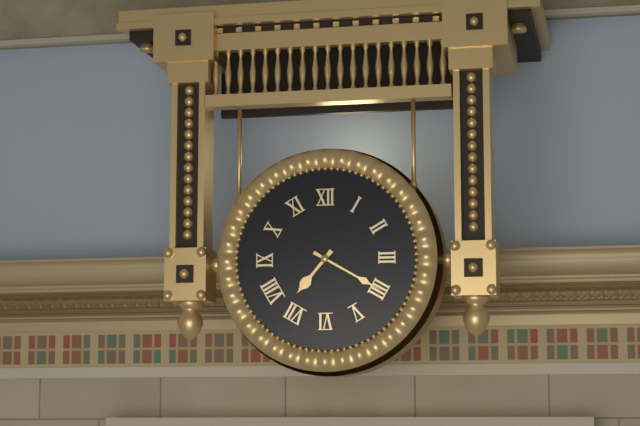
7:20
